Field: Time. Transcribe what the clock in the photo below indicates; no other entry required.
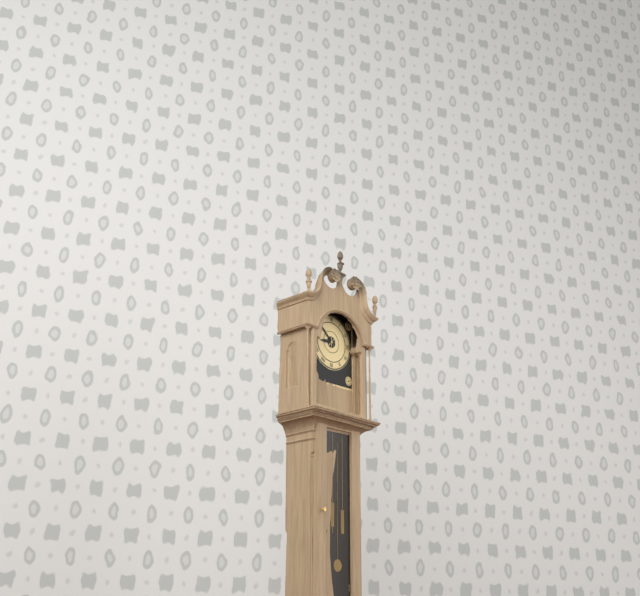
8:52
